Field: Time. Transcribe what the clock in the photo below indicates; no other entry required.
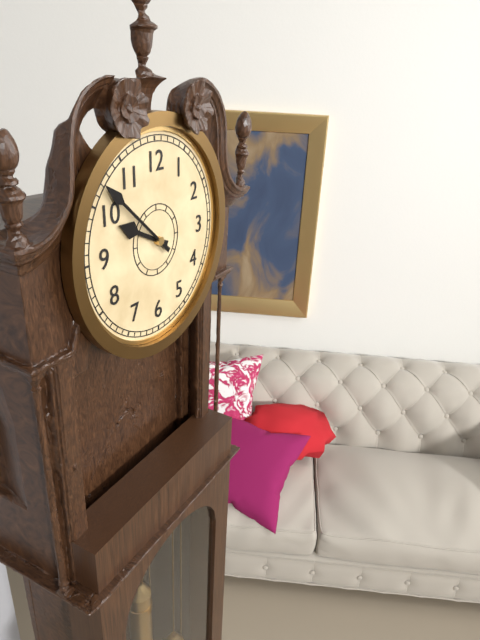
9:52
